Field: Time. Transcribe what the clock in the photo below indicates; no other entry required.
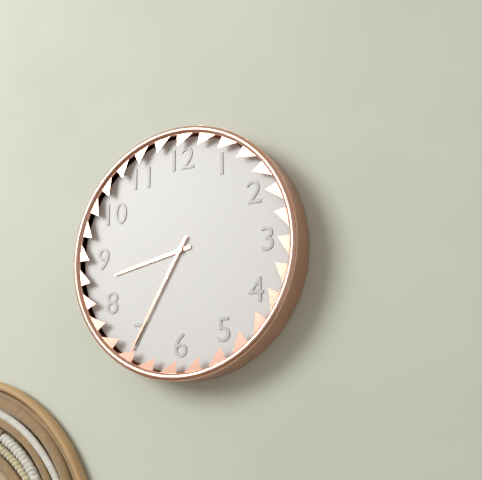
8:35
